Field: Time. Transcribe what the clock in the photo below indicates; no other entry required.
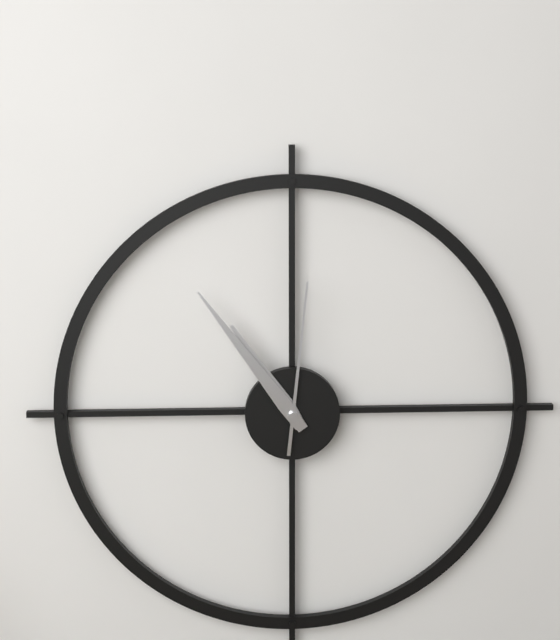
10:54:01
